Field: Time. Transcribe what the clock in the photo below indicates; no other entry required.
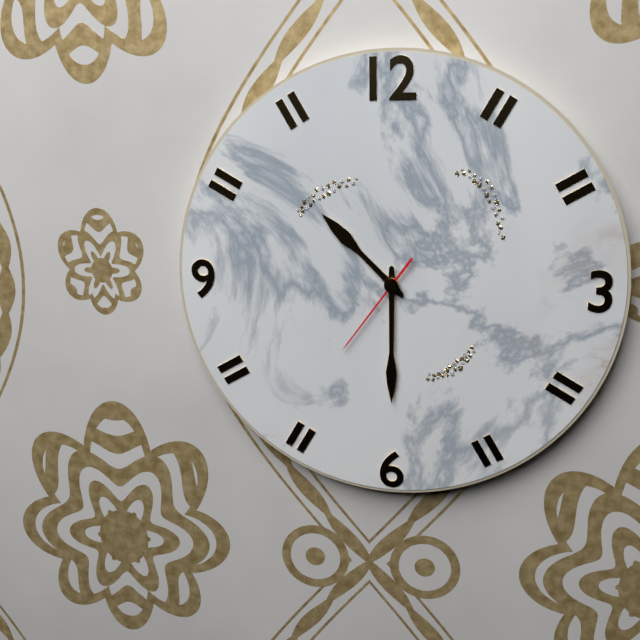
10:30:36
